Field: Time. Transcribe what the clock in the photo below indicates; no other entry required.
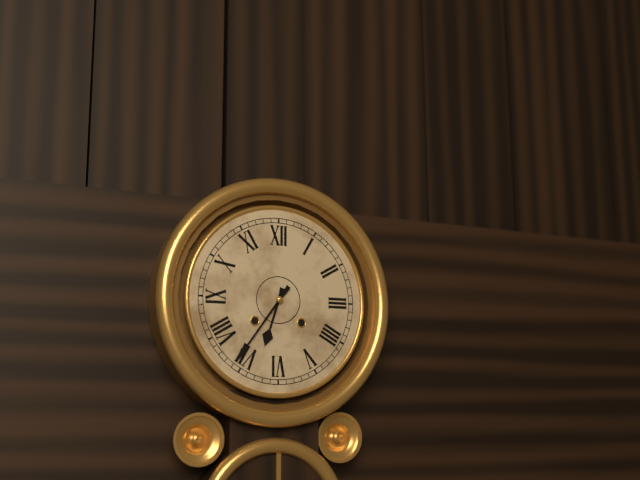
6:36
